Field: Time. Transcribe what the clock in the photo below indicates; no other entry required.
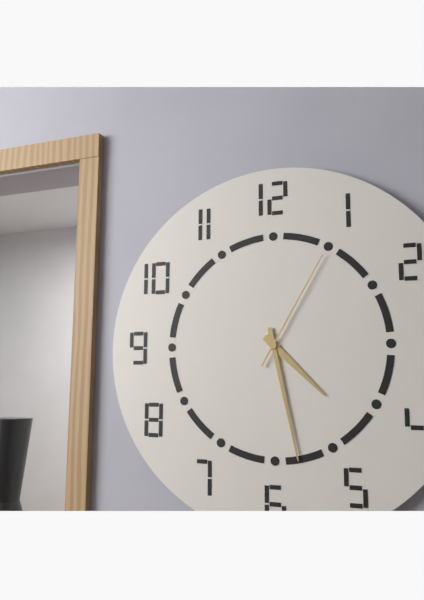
4:28:05
